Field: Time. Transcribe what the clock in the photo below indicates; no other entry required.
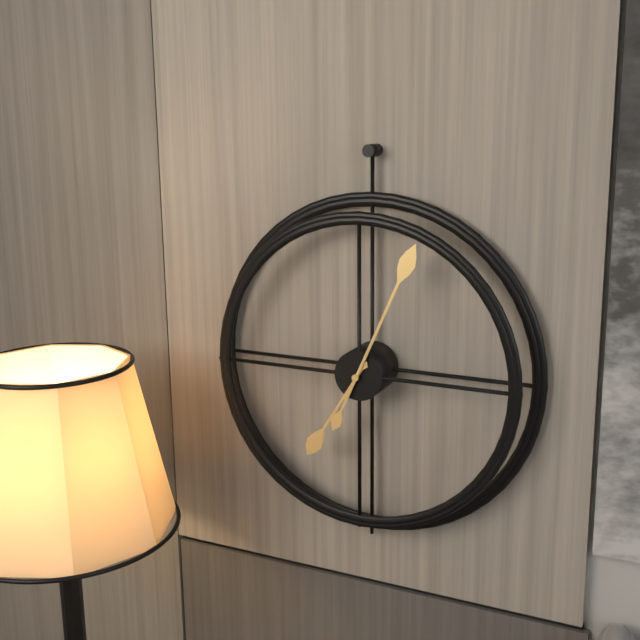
7:04
